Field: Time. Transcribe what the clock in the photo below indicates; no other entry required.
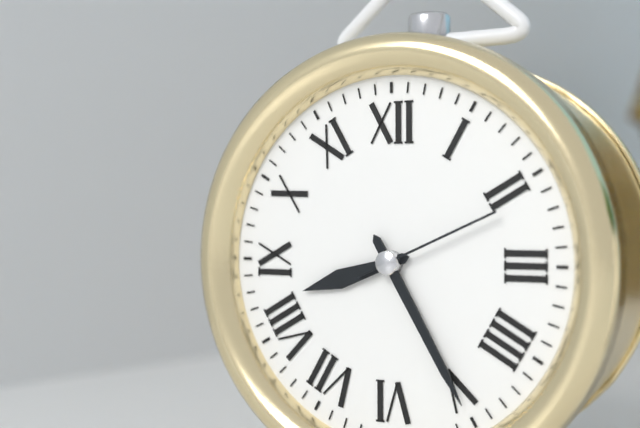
8:25:11
